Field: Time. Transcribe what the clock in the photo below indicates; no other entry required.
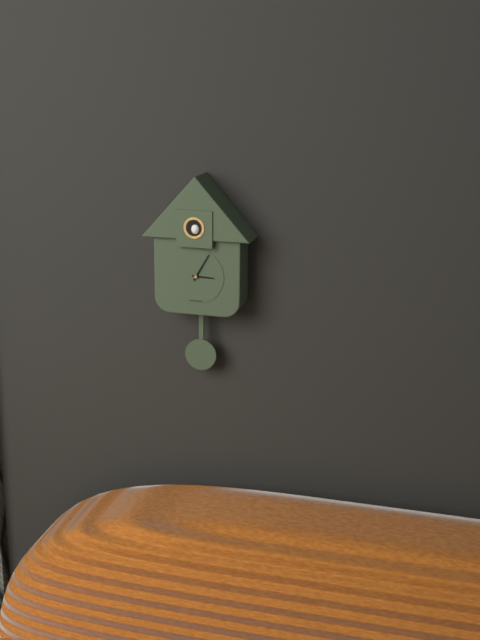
3:05
